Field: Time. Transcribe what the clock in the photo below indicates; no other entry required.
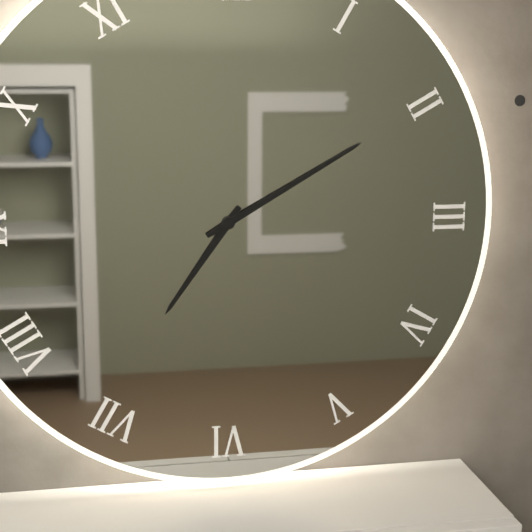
7:10
